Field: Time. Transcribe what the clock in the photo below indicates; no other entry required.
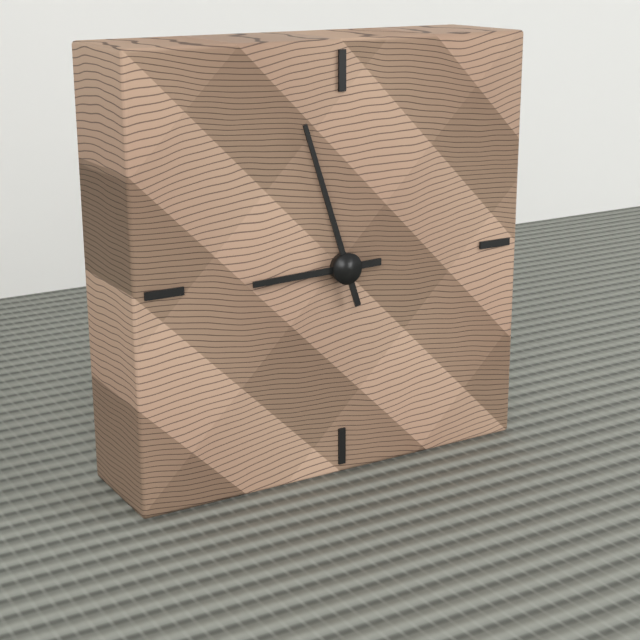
8:57
